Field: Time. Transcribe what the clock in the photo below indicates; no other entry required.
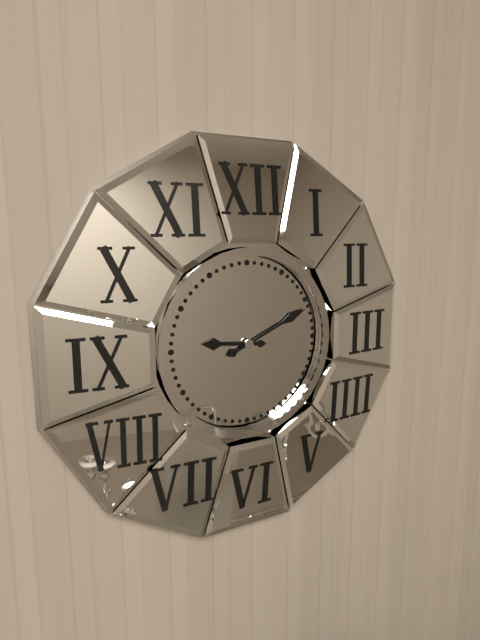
9:11
